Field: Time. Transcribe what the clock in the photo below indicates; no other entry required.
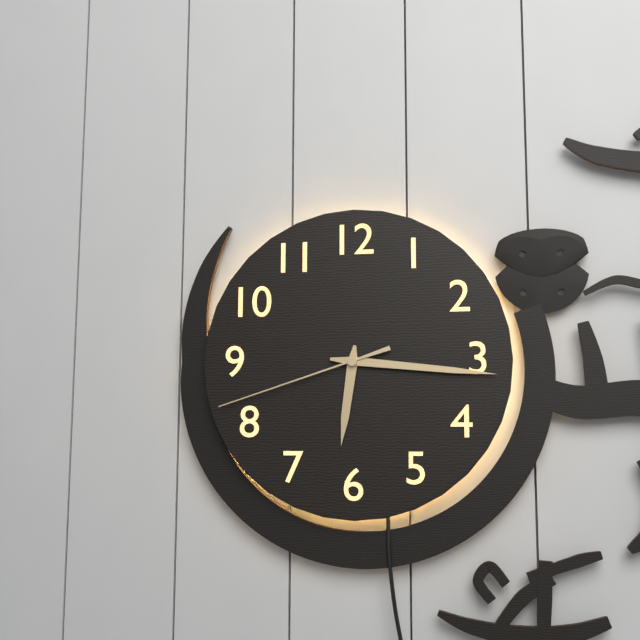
6:16:42
